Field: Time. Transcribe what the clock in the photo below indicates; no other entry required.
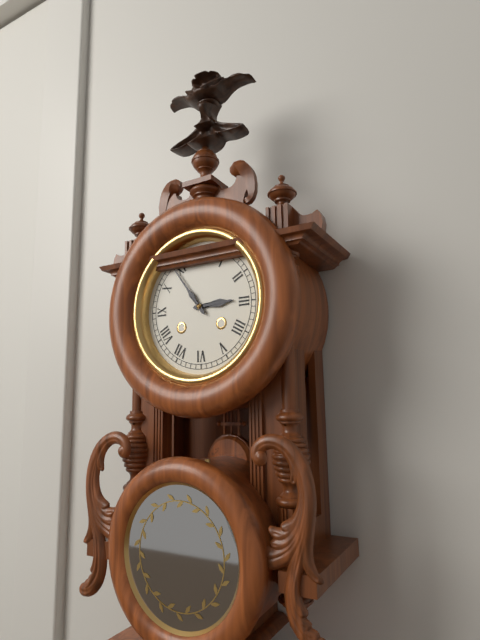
2:54
